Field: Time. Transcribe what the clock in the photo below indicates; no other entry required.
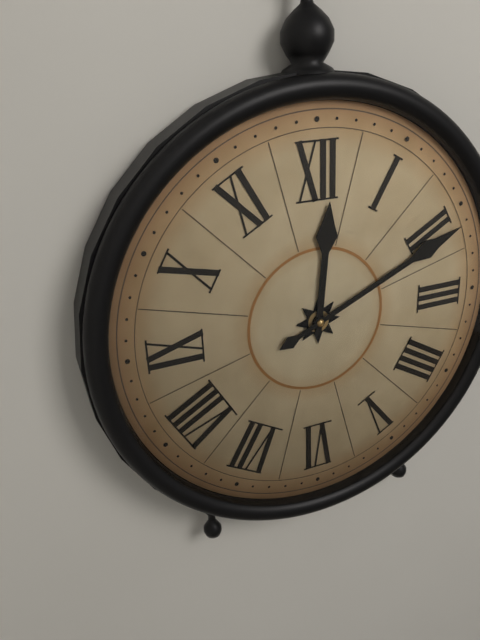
12:11
